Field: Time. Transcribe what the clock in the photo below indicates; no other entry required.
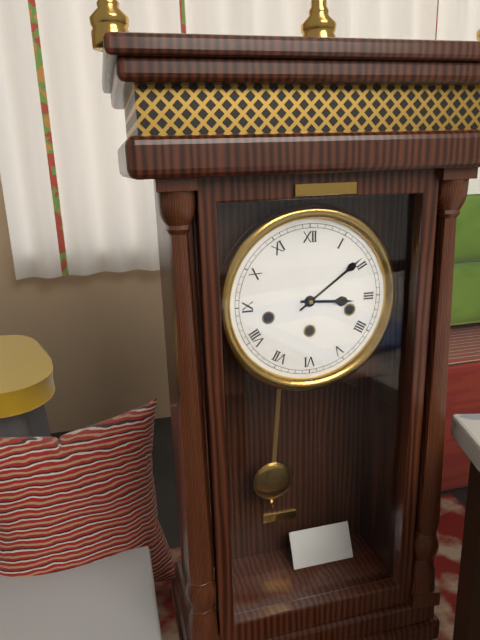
3:09
